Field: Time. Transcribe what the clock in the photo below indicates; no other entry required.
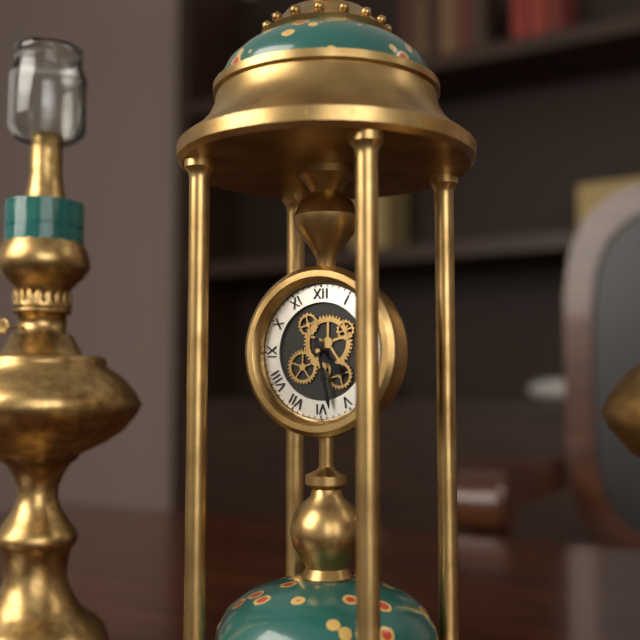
4:28
